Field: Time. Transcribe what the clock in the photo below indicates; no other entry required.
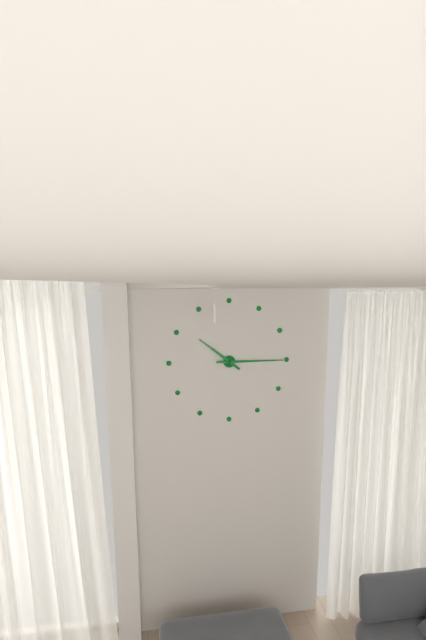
10:15
